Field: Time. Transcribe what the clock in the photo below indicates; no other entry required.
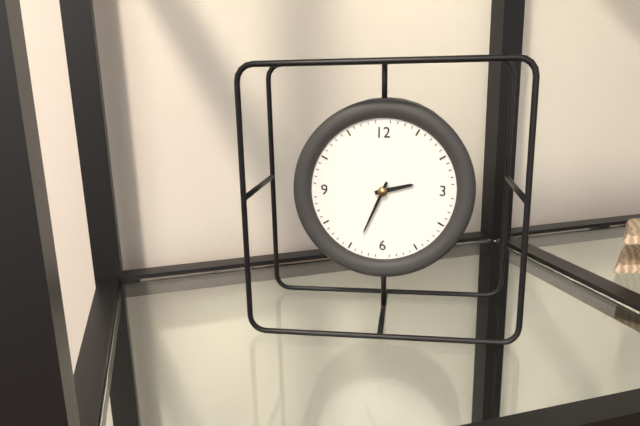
2:34
